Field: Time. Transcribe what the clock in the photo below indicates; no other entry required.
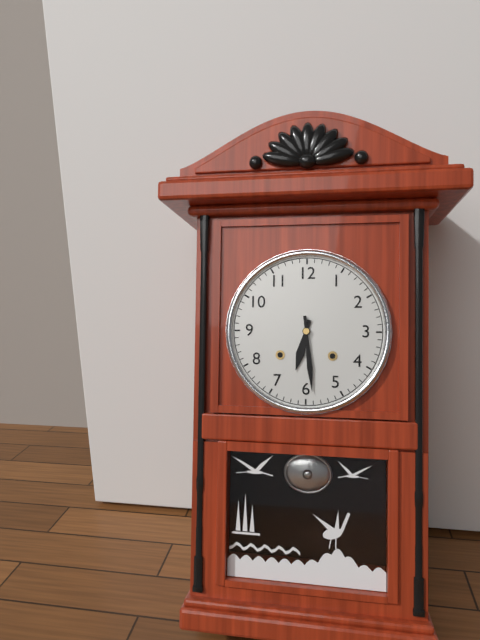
6:29
